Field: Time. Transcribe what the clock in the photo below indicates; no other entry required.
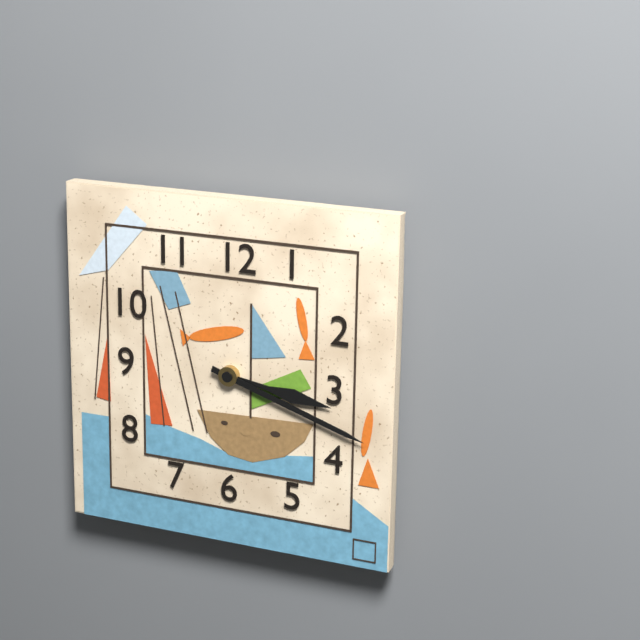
3:18
